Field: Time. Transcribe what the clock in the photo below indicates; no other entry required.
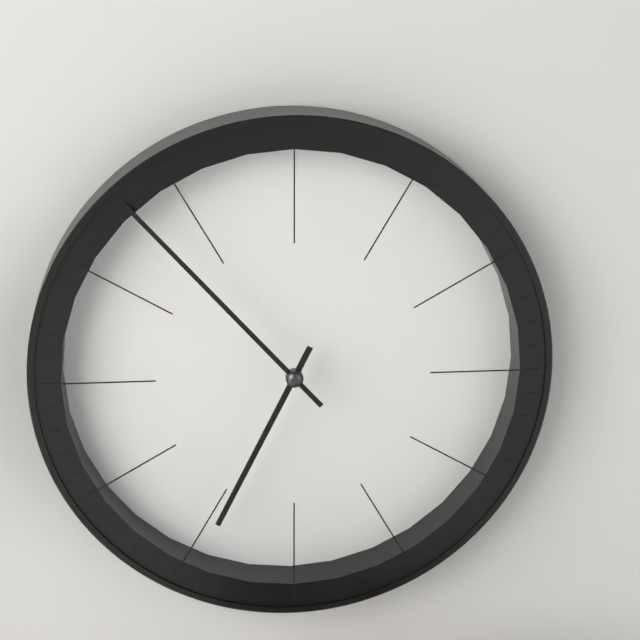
6:53
